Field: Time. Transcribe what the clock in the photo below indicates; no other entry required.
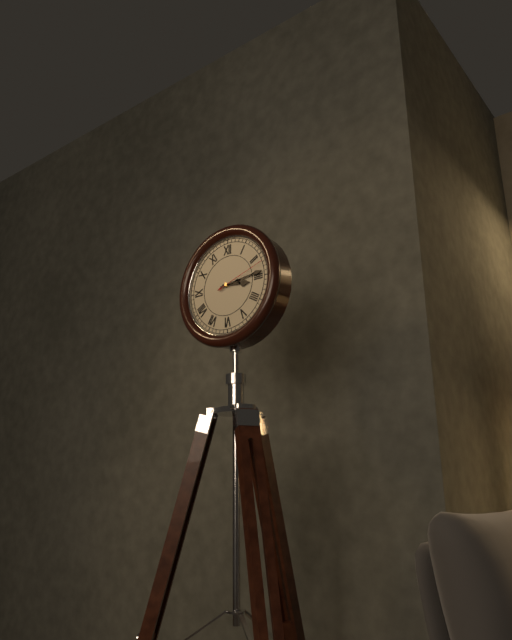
3:14
